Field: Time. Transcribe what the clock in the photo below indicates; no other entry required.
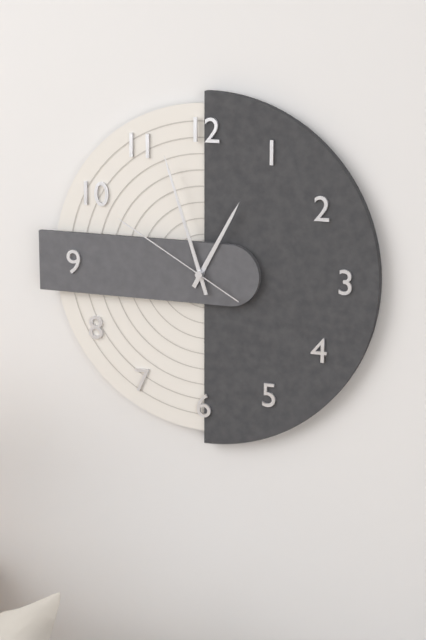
12:57:50
